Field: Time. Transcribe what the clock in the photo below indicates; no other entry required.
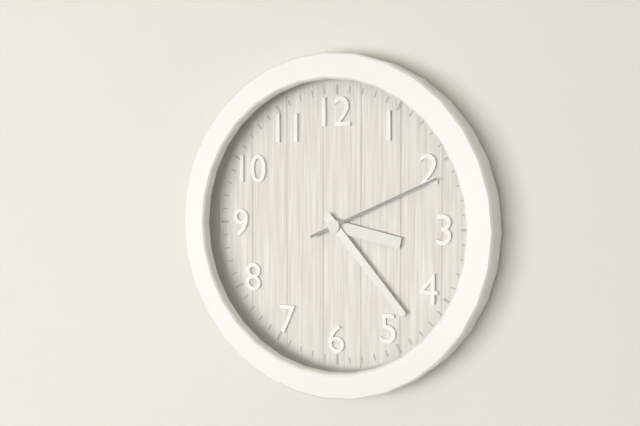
3:23:11
